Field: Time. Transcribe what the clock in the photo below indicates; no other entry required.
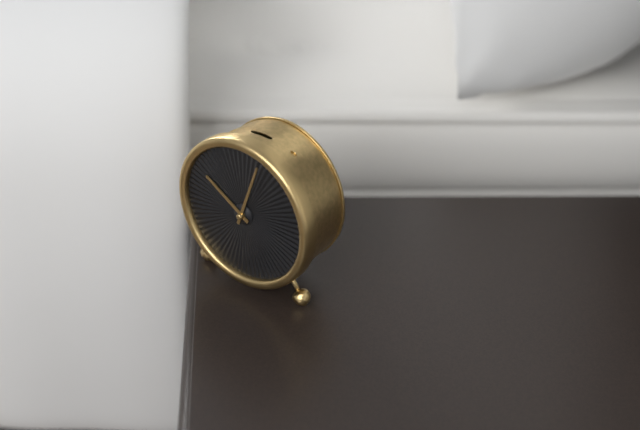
10:03
